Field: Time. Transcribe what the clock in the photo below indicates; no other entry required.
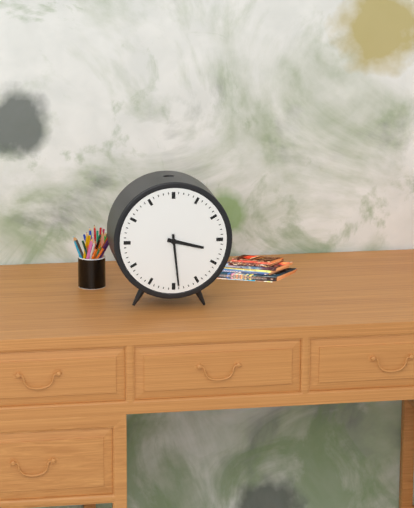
3:29
